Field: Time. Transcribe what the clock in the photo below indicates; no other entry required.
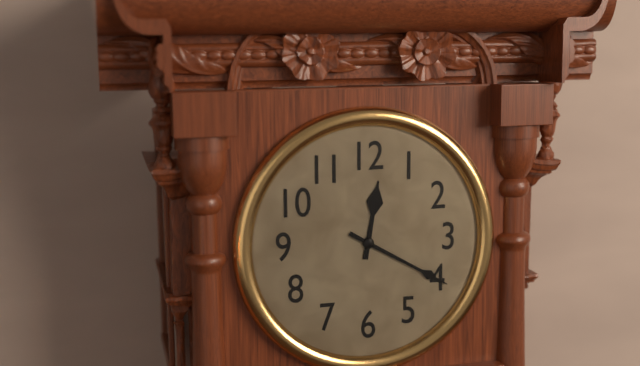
12:20
